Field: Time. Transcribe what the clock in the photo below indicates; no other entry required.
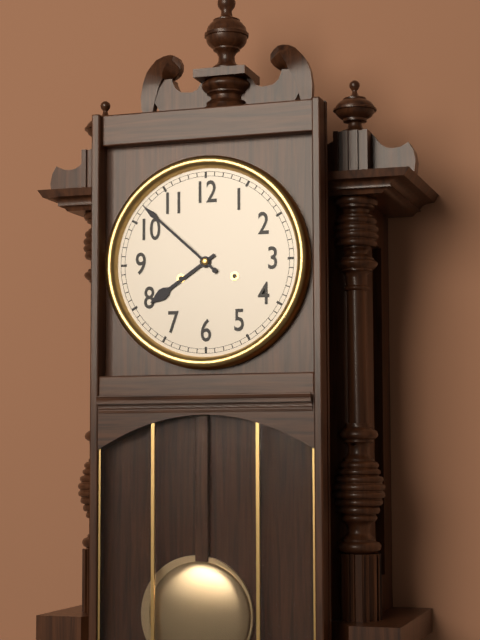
7:52
